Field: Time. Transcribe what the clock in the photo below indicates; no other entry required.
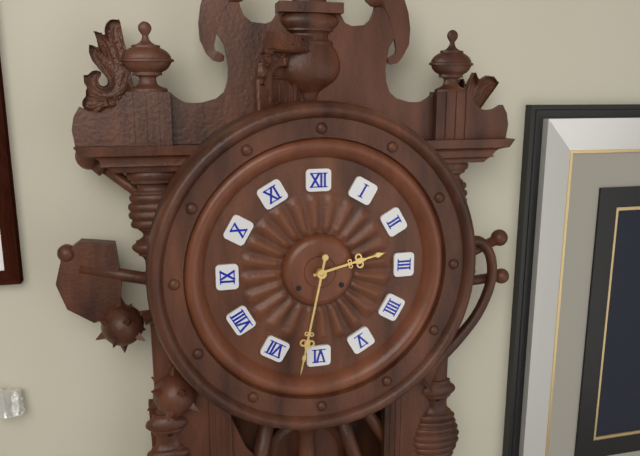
2:32
